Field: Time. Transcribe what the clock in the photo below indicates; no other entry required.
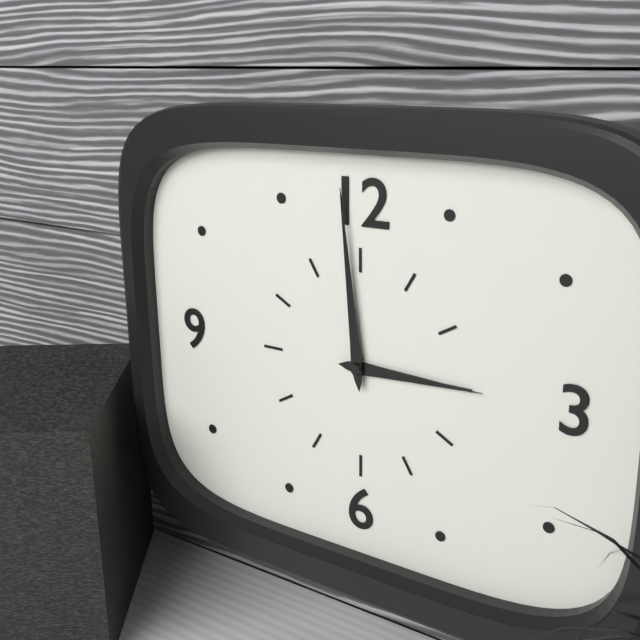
2:59
